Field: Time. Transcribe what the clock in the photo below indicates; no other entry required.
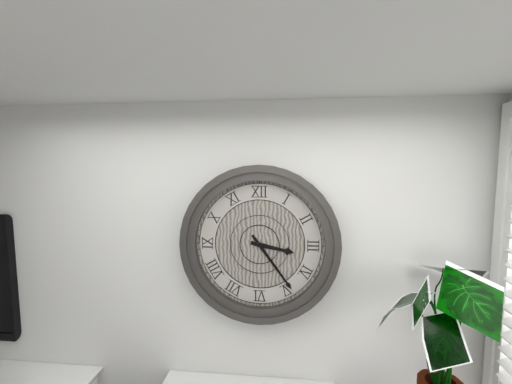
3:24
